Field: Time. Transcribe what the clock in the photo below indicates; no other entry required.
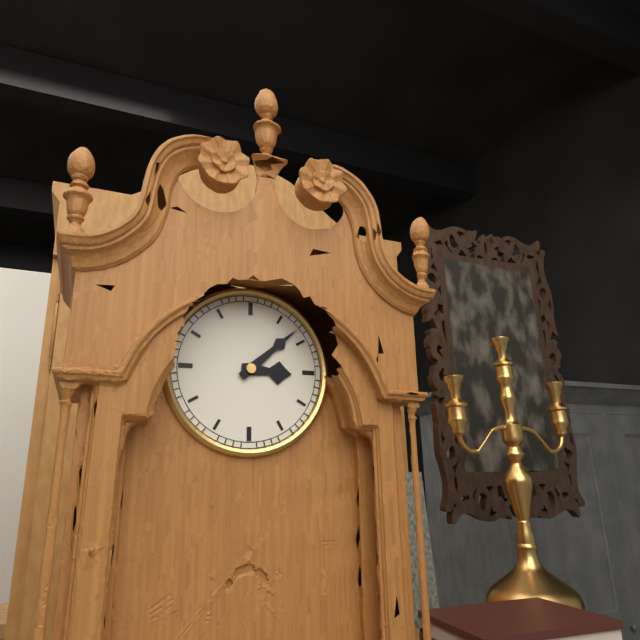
3:08
